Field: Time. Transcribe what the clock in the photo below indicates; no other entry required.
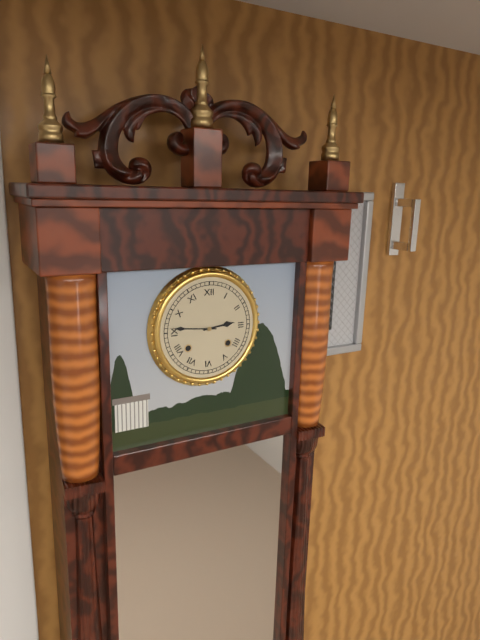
2:46
